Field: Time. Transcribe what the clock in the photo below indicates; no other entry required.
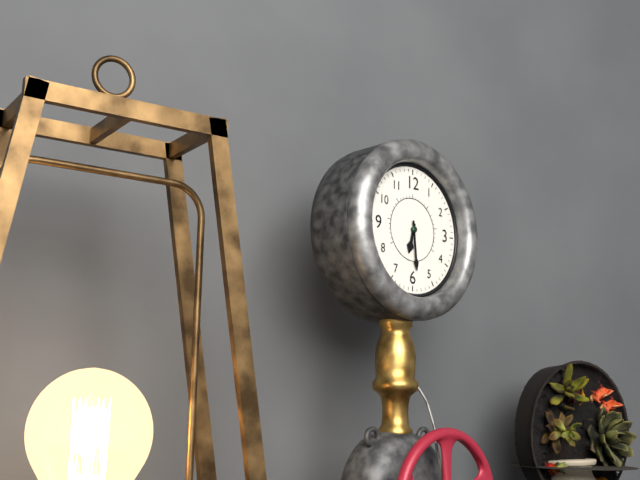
6:29
